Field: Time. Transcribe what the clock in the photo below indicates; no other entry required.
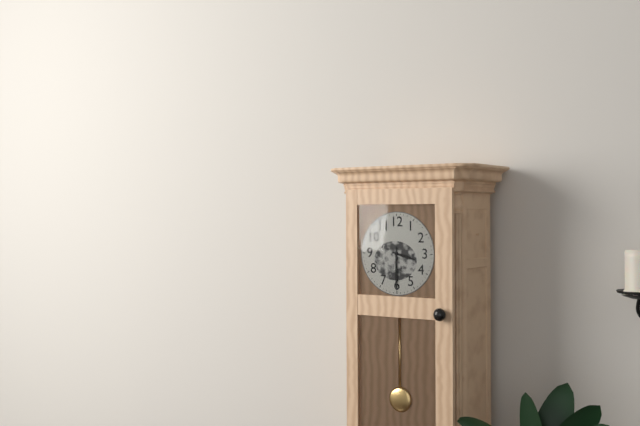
3:30
